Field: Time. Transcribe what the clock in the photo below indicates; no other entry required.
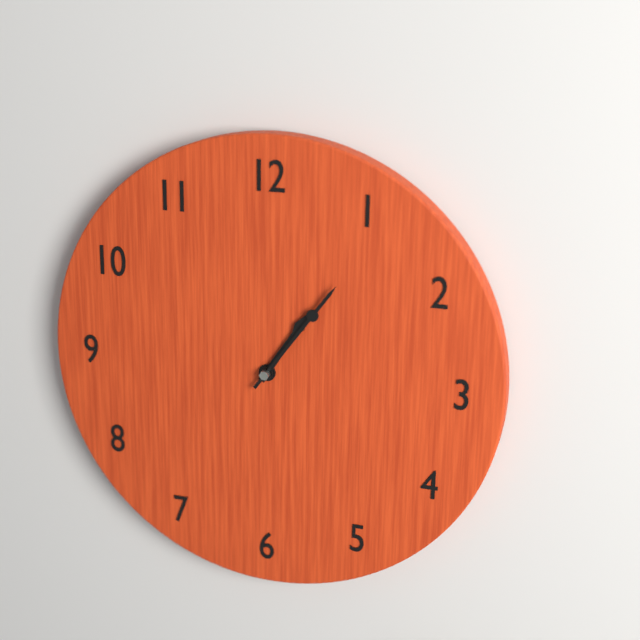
1:06
